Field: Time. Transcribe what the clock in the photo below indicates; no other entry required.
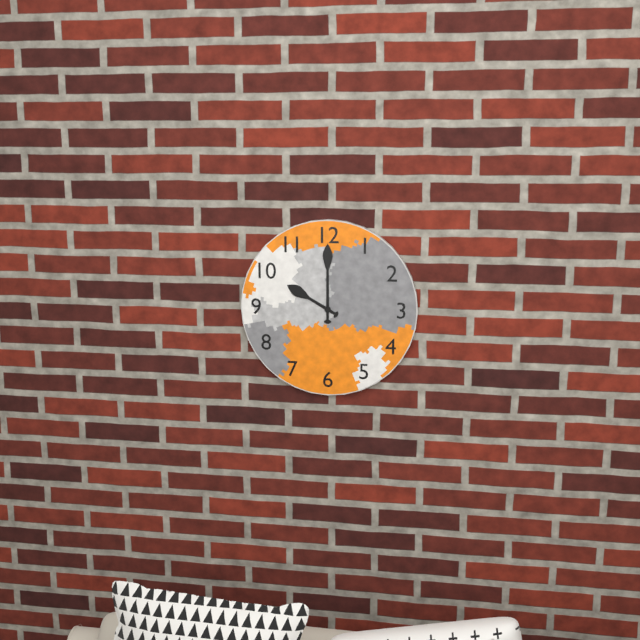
10:00
